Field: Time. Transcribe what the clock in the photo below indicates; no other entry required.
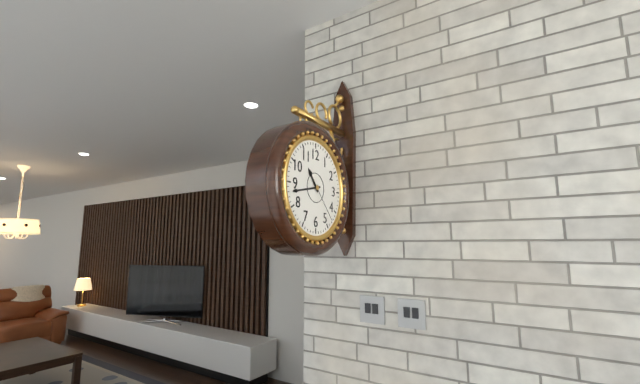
10:43
